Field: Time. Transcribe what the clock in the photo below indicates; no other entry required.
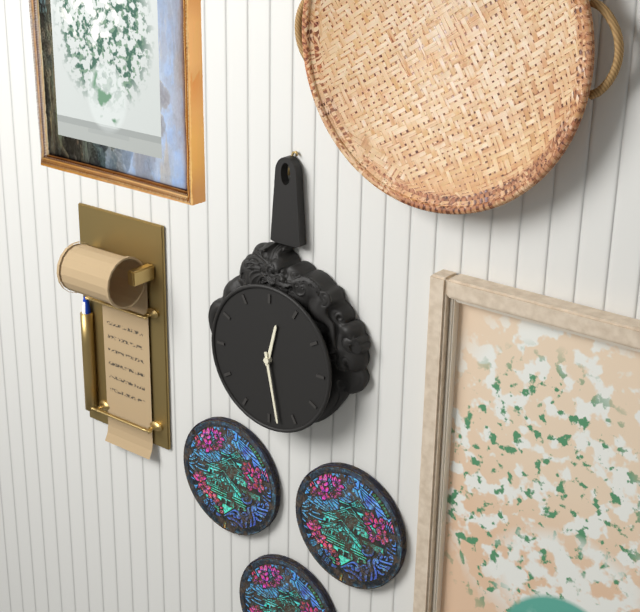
12:28
